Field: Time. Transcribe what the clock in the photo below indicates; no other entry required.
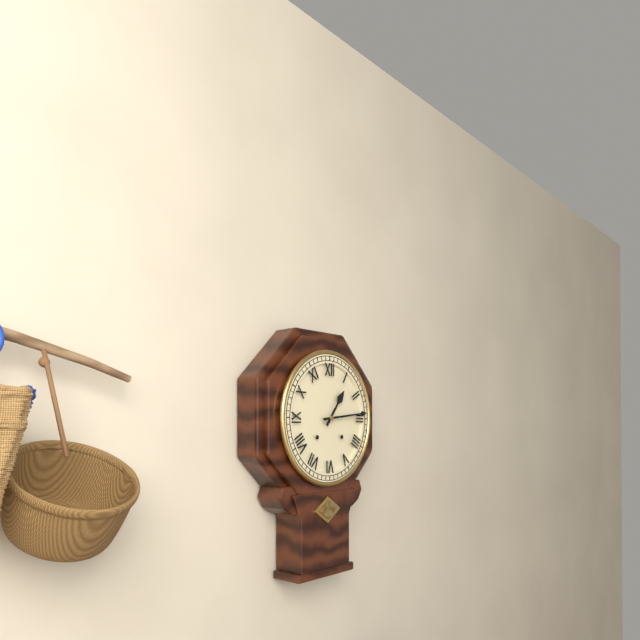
1:14
